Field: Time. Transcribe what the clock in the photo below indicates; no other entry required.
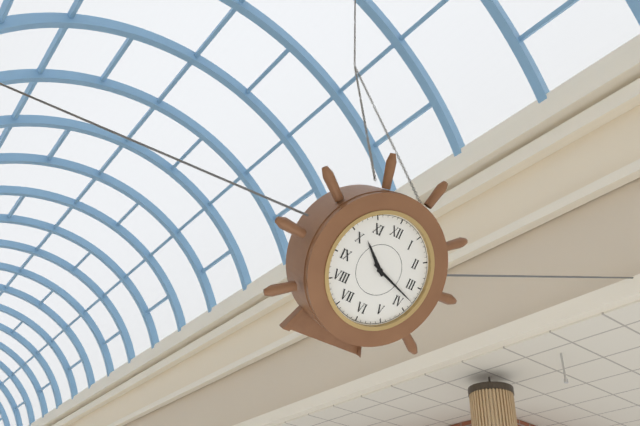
10:18
